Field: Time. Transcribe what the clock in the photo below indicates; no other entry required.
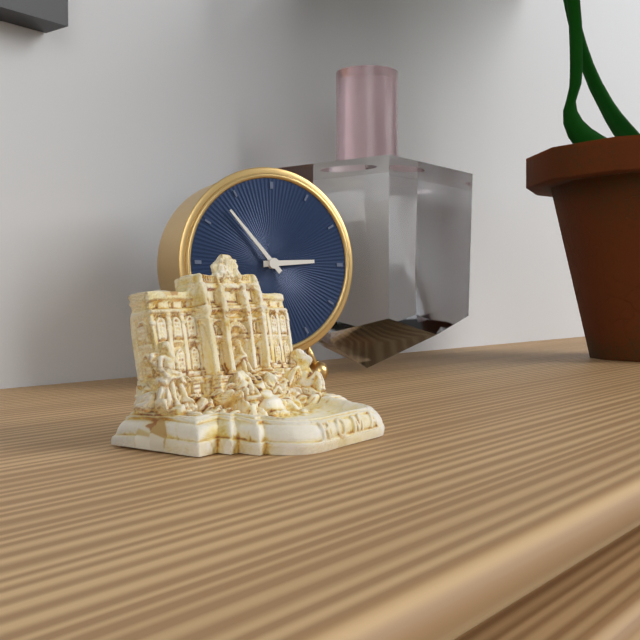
2:53
